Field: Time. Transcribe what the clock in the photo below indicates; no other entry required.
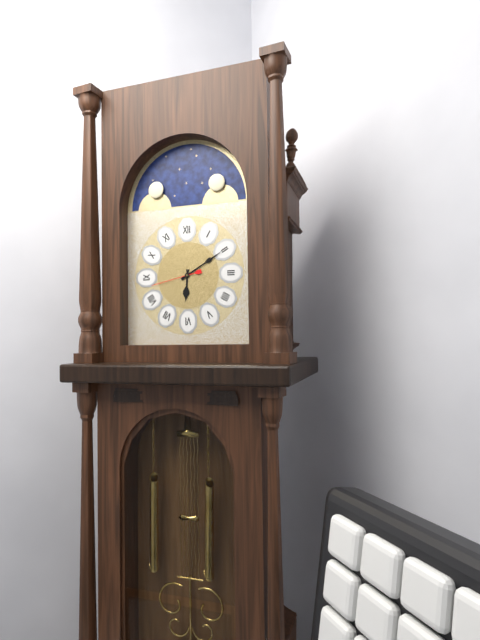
6:10
